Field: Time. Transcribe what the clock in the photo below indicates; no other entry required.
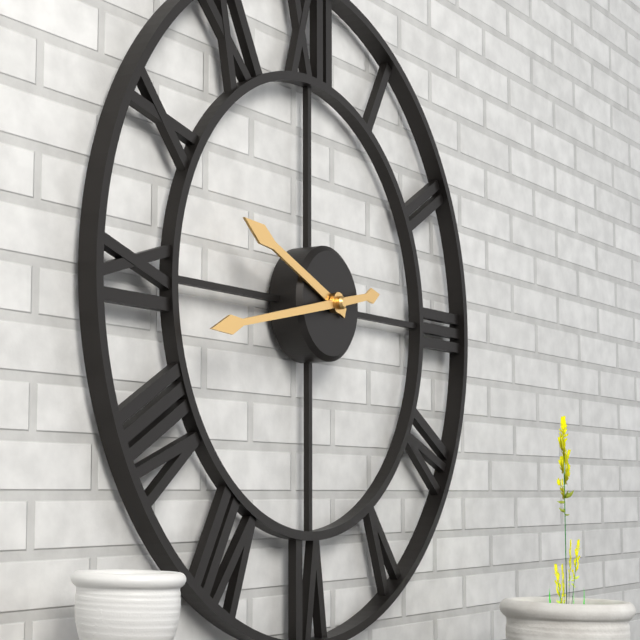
9:43
